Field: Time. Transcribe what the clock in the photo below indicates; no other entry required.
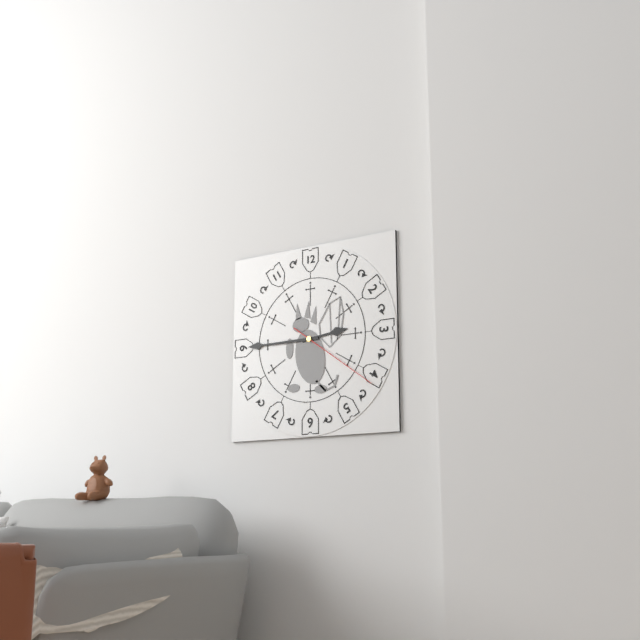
2:45:21
